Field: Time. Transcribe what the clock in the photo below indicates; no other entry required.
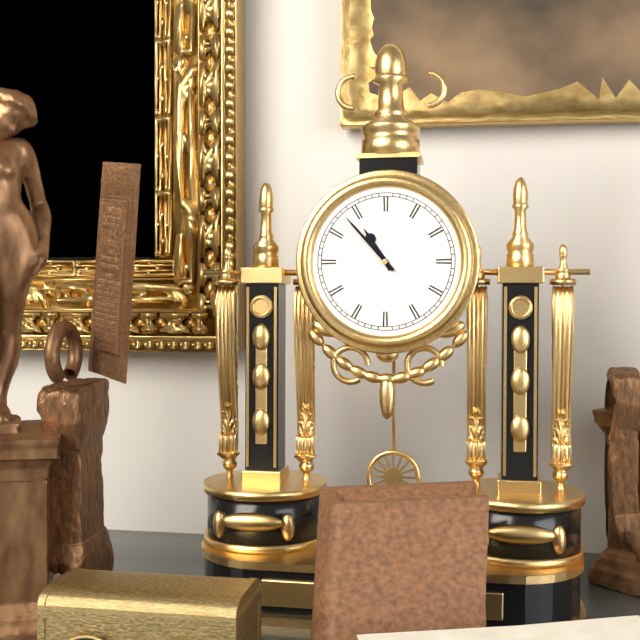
10:53
